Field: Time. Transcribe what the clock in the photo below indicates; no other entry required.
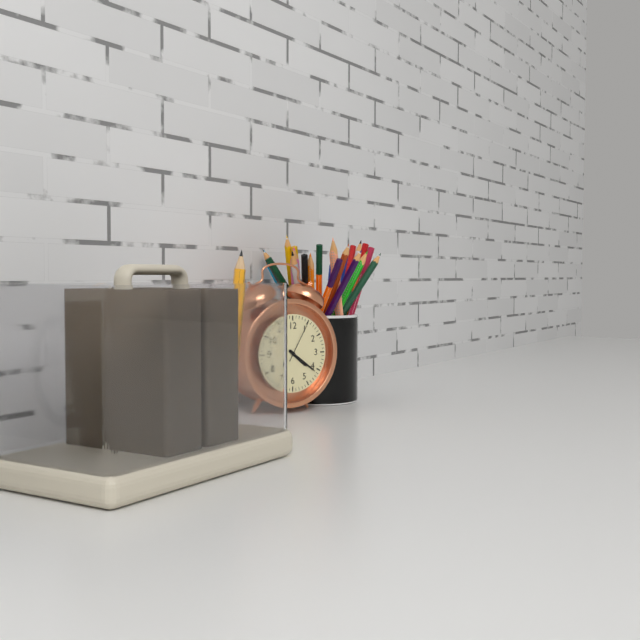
4:21
